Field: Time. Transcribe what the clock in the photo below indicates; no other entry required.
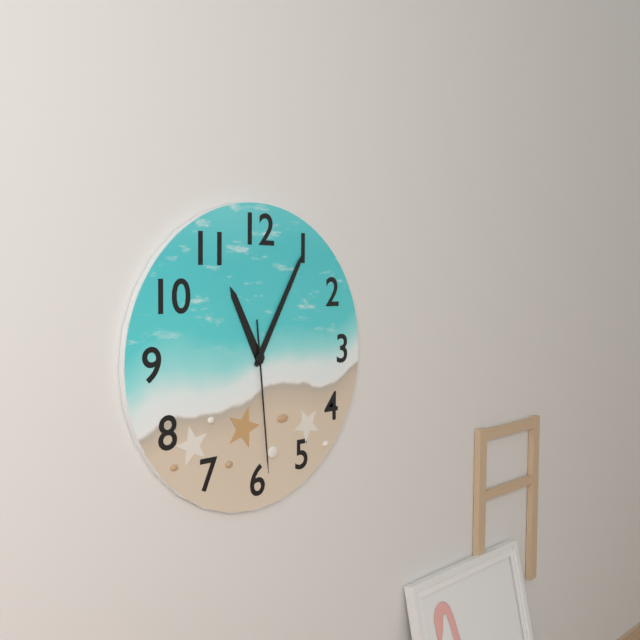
11:05:29
